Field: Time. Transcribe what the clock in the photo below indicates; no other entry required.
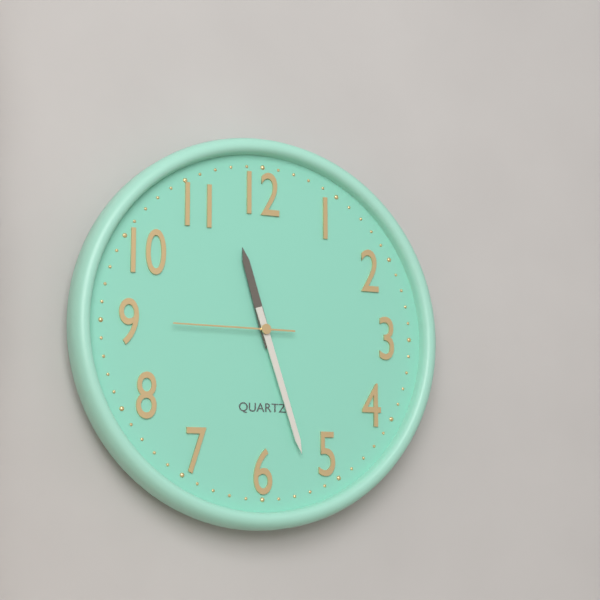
11:27:45
